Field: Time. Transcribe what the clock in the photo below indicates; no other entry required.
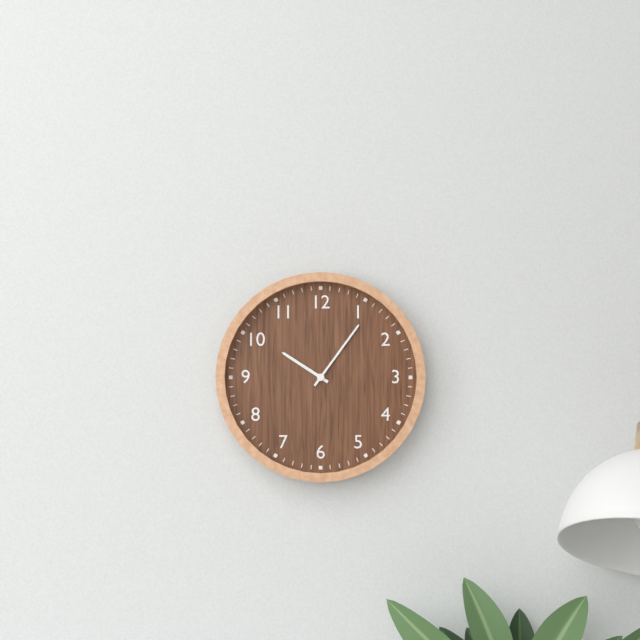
10:06
